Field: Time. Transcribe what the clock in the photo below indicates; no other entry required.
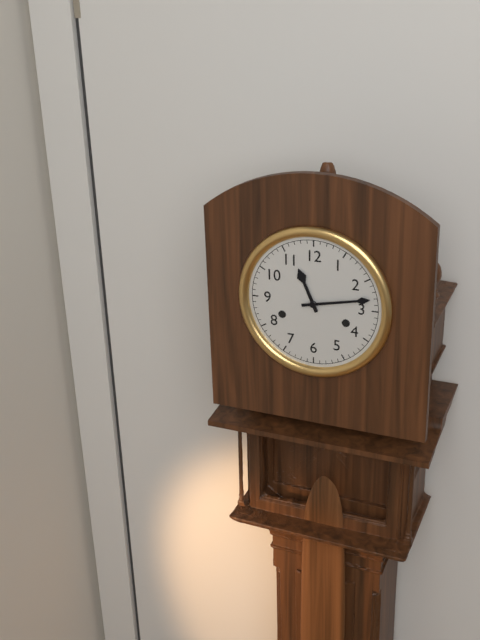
11:13
